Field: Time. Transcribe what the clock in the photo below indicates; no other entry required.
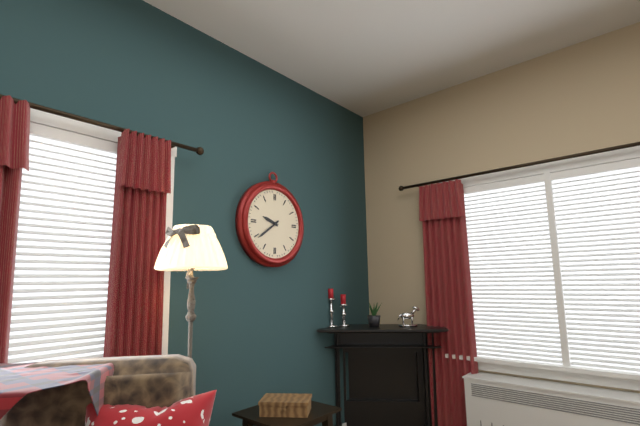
9:39
